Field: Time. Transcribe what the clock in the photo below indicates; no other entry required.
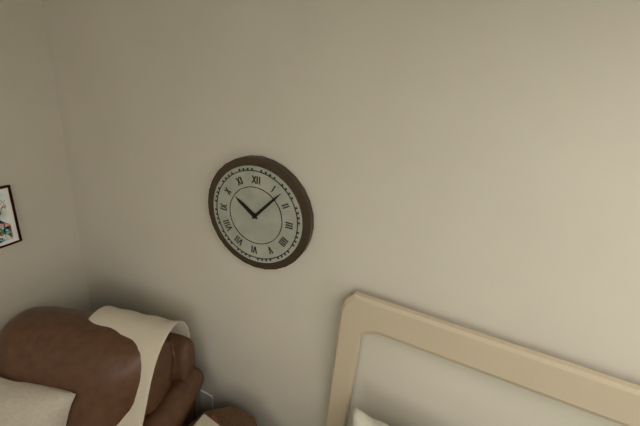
10:07
